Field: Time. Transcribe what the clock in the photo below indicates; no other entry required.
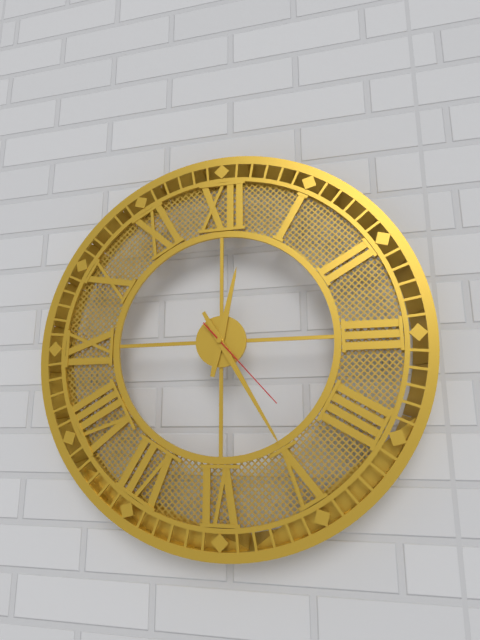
12:25:23
